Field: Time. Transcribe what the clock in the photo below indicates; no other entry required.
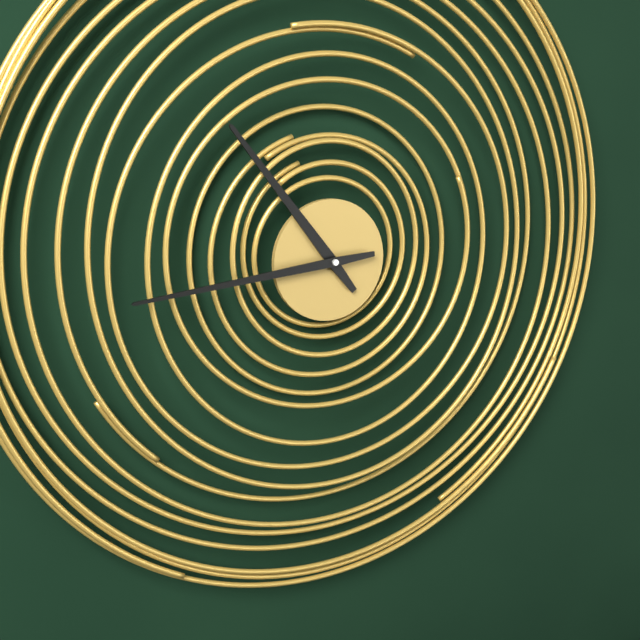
10:44
